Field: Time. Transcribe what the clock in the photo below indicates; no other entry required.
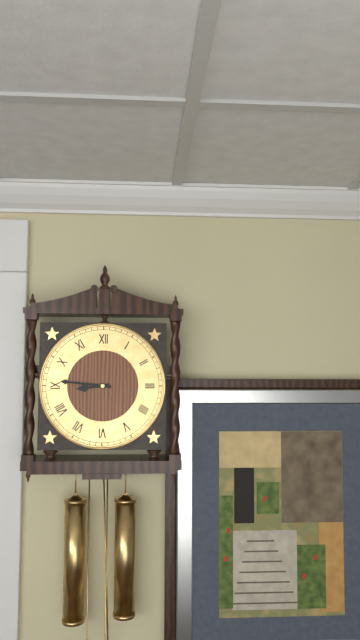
8:46
